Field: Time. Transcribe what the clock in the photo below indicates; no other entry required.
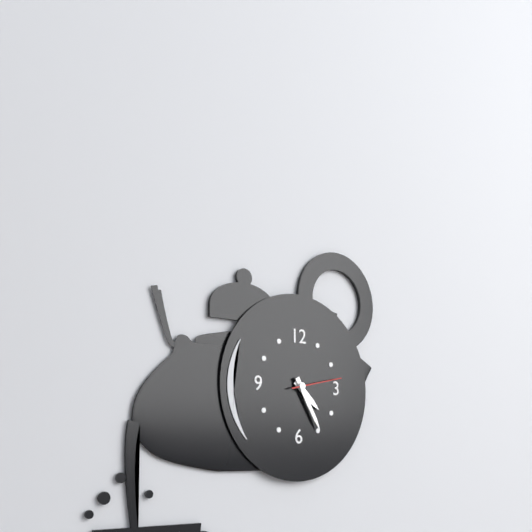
4:25:13
